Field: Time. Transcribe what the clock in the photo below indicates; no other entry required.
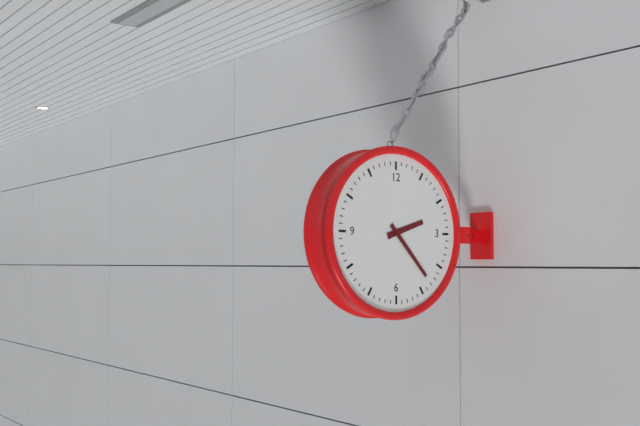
2:23
